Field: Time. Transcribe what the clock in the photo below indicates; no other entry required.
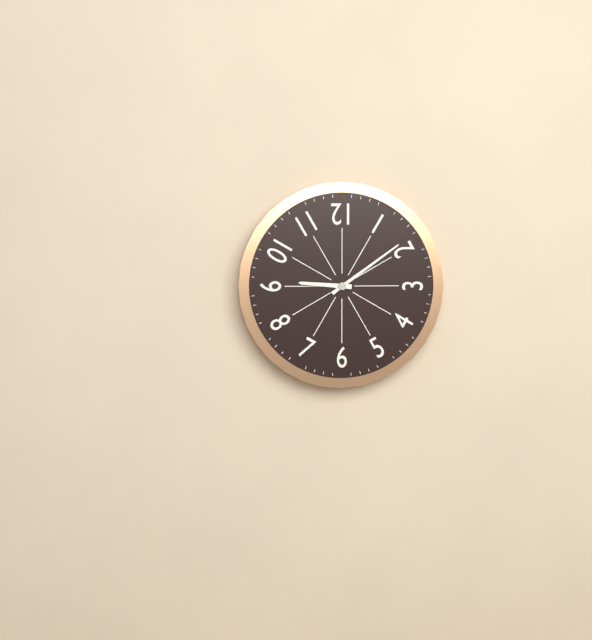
9:09
